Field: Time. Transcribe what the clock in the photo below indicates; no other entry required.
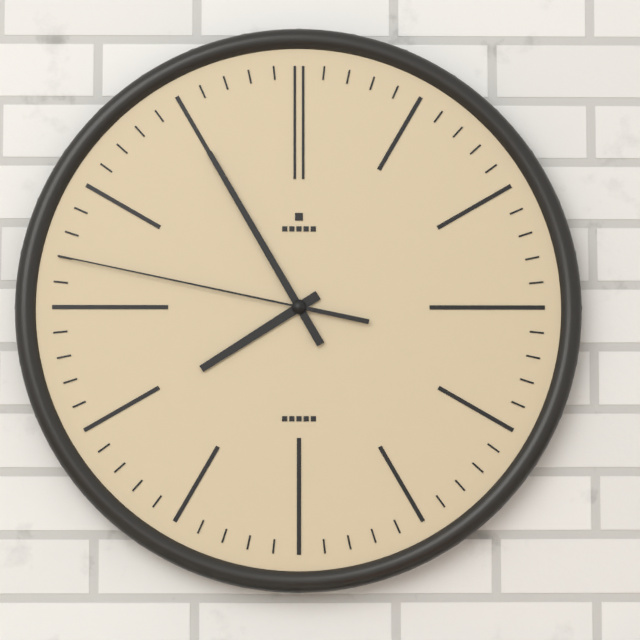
7:55:47
